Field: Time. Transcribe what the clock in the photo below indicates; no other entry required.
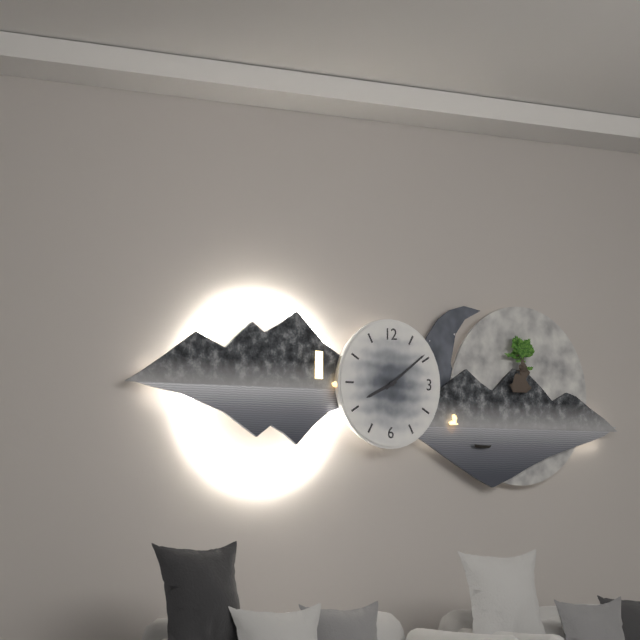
8:09
